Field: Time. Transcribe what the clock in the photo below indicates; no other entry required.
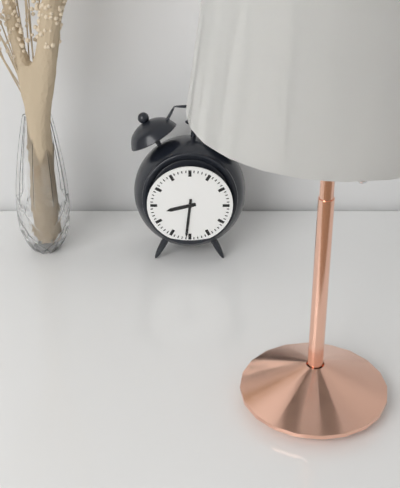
8:31
